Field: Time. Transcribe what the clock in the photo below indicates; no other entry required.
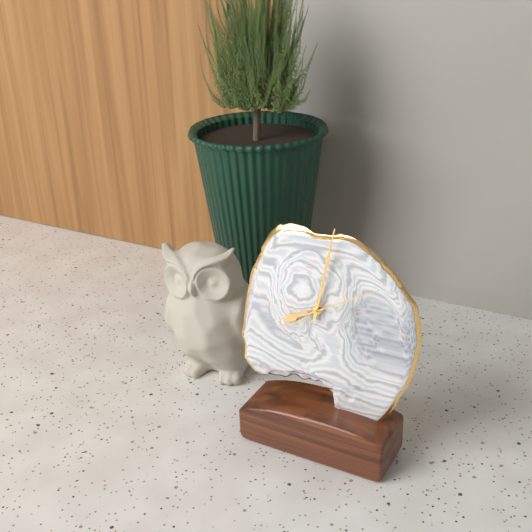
8:02:10
